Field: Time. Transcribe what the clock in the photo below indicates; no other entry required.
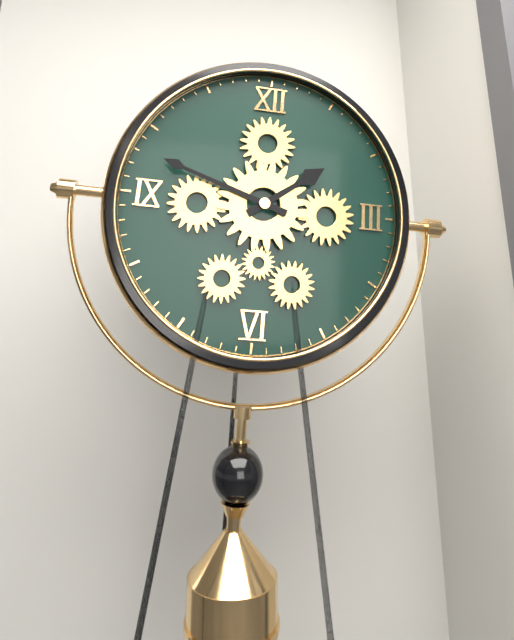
1:48
